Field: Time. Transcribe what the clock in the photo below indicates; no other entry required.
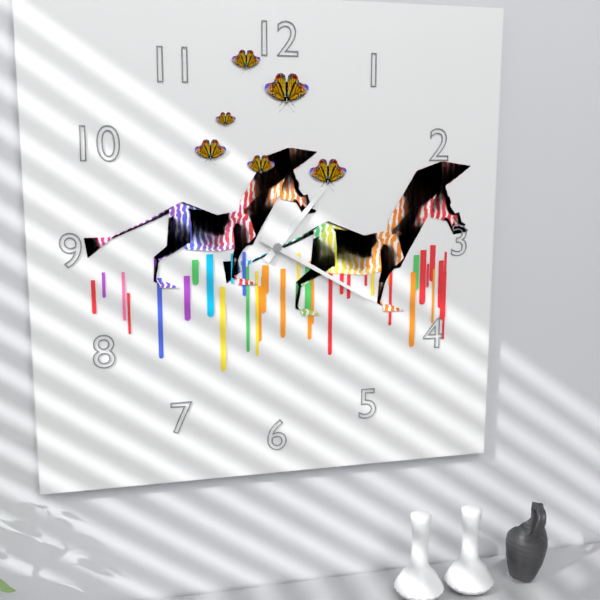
1:20
